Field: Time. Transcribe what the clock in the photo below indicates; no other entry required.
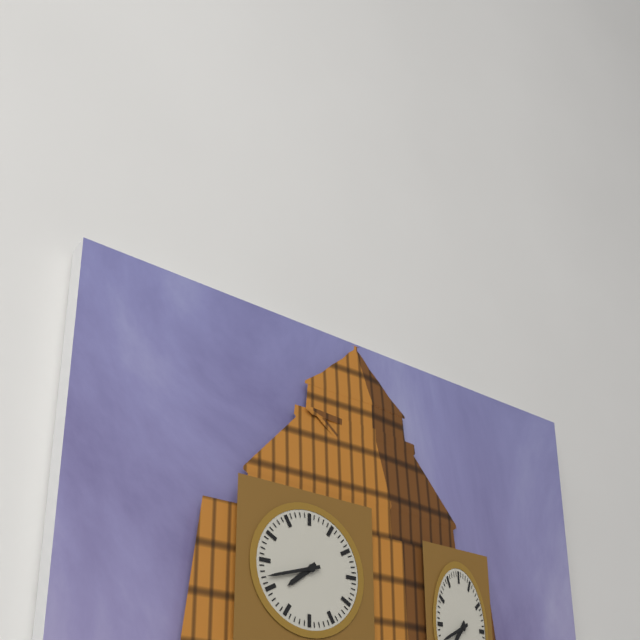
7:42
